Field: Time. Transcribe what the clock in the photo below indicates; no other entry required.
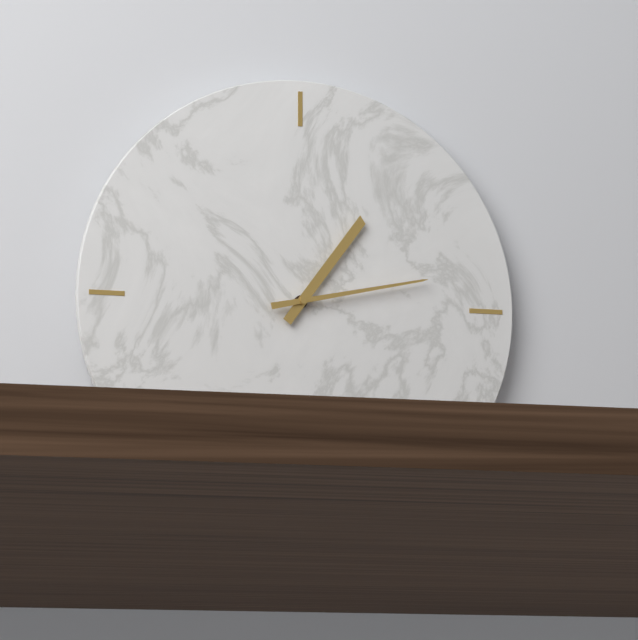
1:13
